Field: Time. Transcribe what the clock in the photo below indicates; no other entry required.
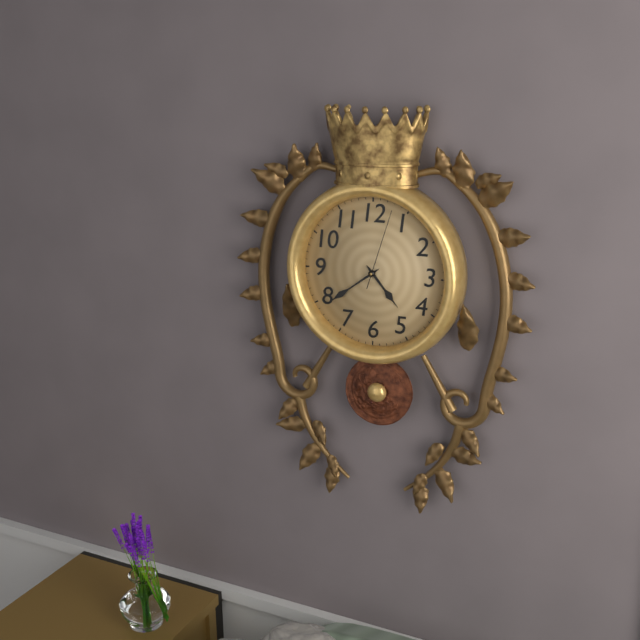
4:39:03
